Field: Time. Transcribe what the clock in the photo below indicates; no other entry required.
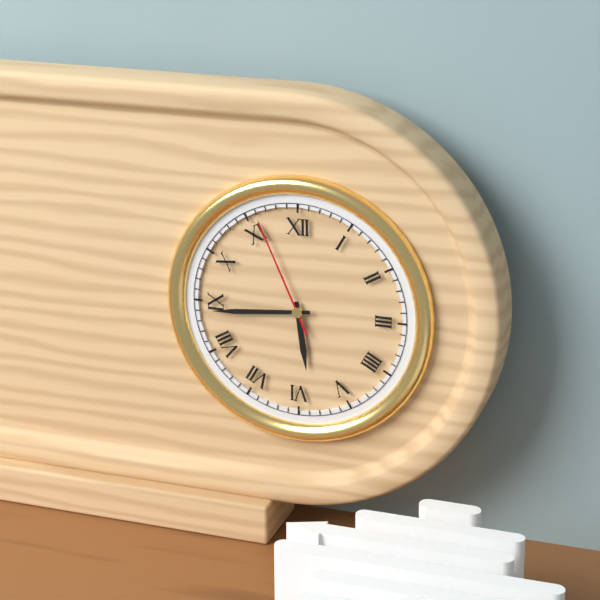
5:44:56
